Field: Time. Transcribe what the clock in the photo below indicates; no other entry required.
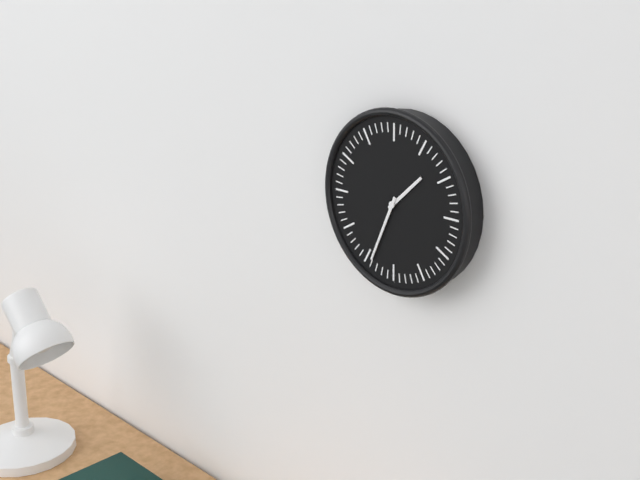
1:34
